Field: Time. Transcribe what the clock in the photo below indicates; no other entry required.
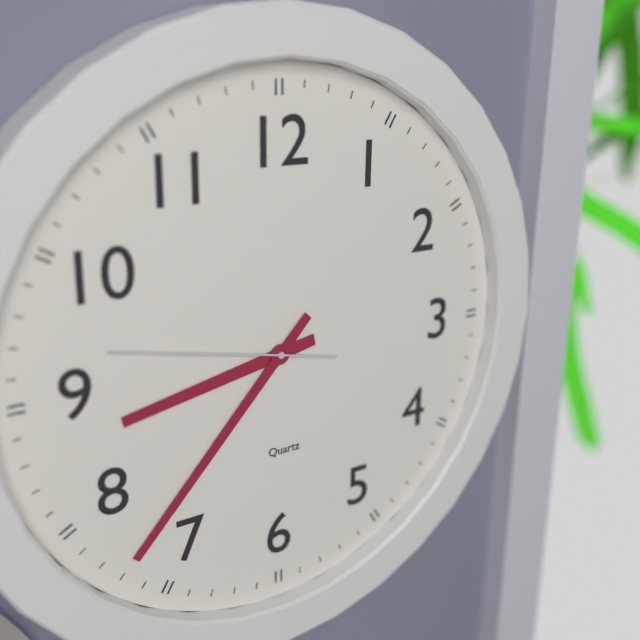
8:37:47
